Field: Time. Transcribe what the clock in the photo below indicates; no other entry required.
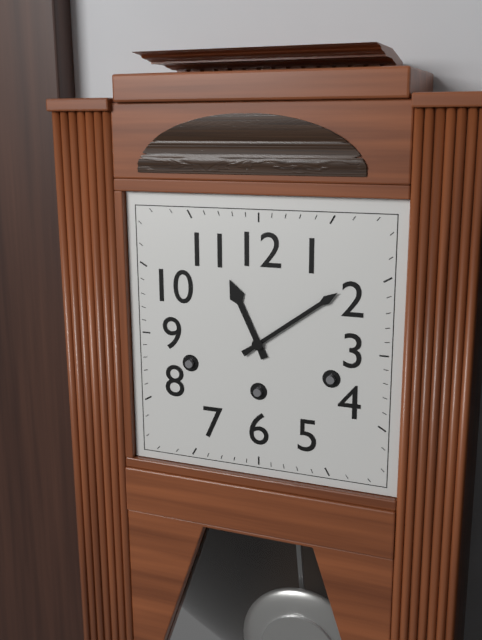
11:09
